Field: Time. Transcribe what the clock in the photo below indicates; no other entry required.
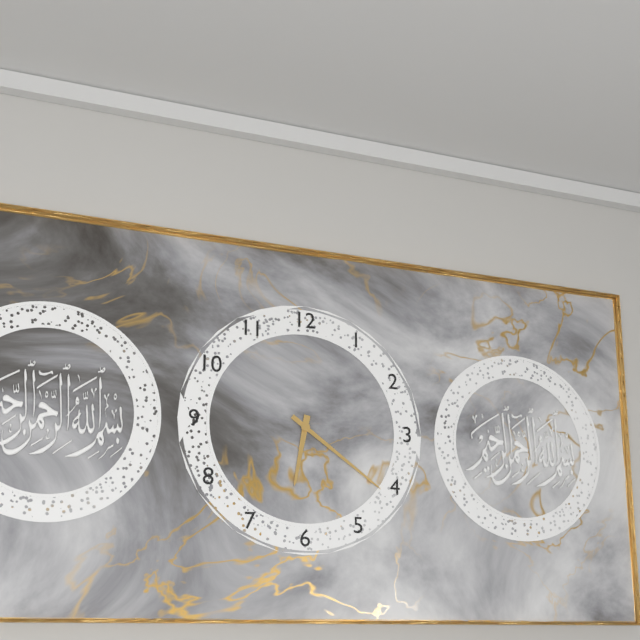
6:21
